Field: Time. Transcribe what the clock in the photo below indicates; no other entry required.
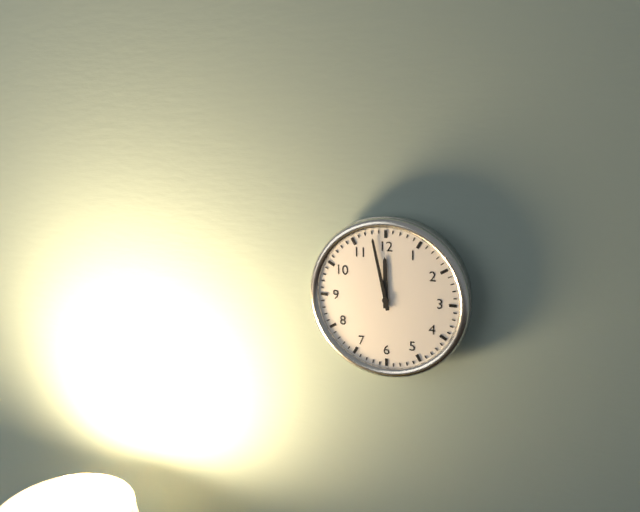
11:58
